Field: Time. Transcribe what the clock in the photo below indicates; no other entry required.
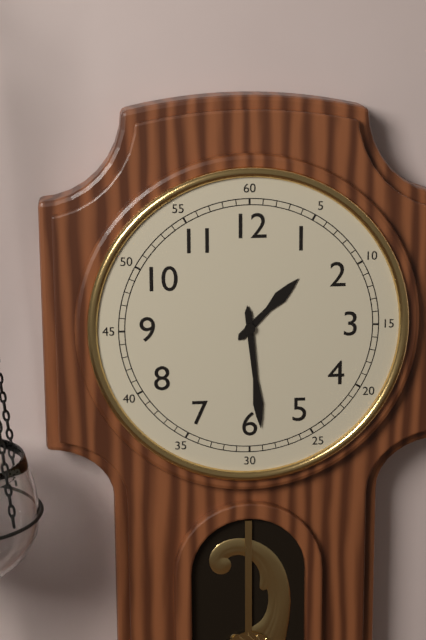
1:29
